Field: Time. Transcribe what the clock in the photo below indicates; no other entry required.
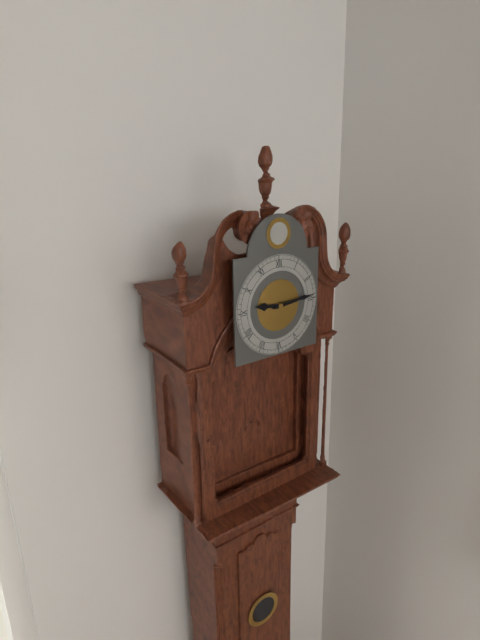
9:14
